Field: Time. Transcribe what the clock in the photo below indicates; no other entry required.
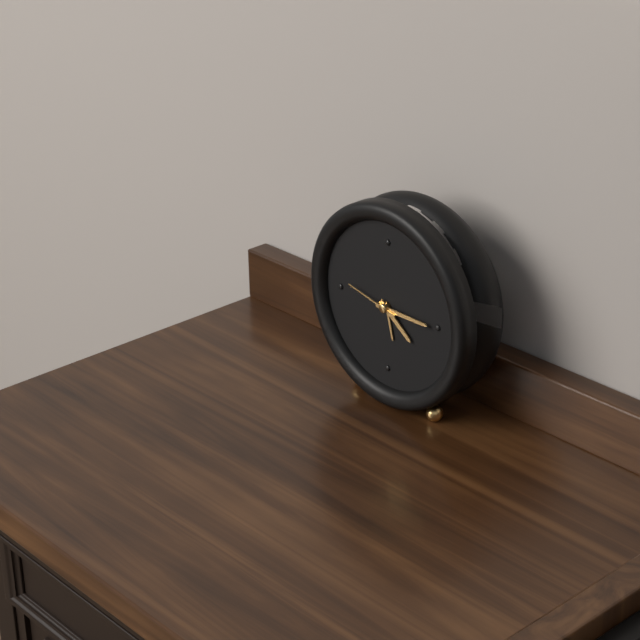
4:15:47
